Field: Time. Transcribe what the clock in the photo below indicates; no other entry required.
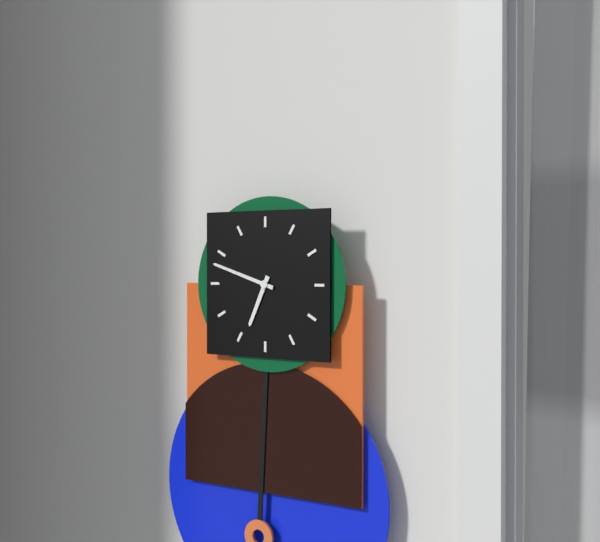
6:48
